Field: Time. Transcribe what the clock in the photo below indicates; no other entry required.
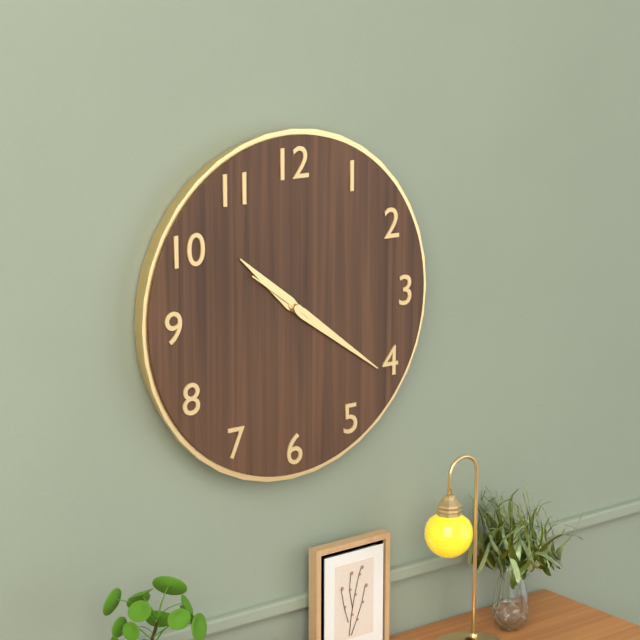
10:21:51
